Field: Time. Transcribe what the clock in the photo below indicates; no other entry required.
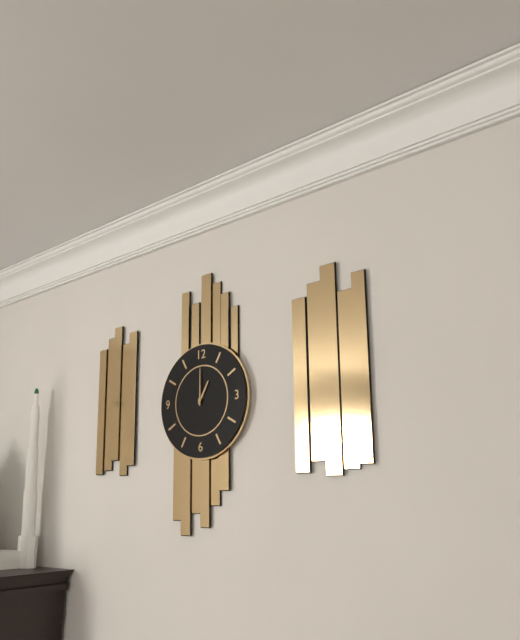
1:00
